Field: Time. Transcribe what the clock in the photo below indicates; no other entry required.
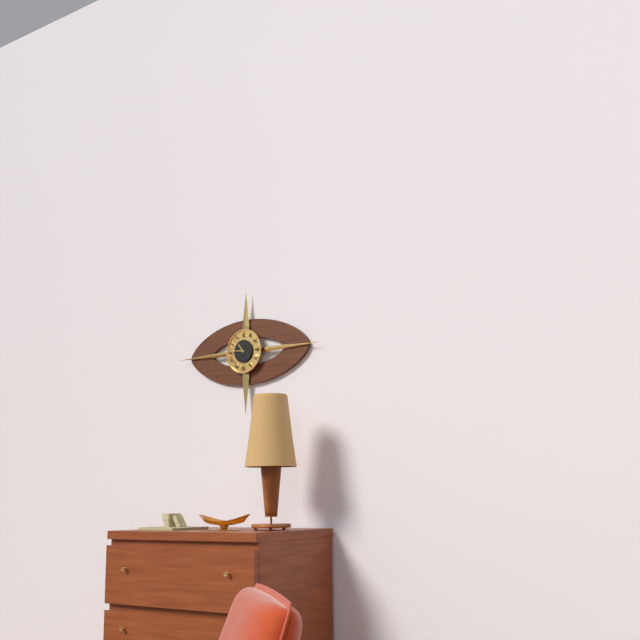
10:46
